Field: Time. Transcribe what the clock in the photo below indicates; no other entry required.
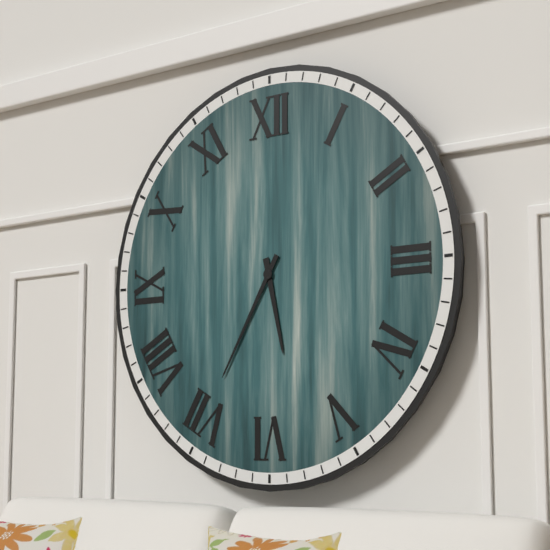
5:35
